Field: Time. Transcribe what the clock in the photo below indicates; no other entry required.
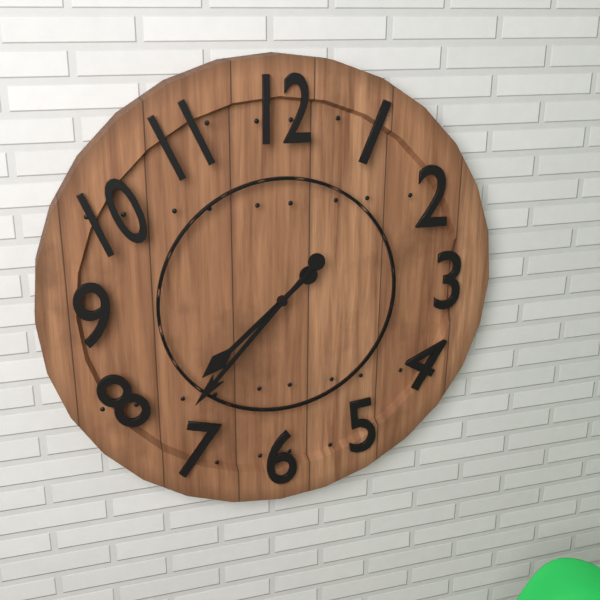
7:37
